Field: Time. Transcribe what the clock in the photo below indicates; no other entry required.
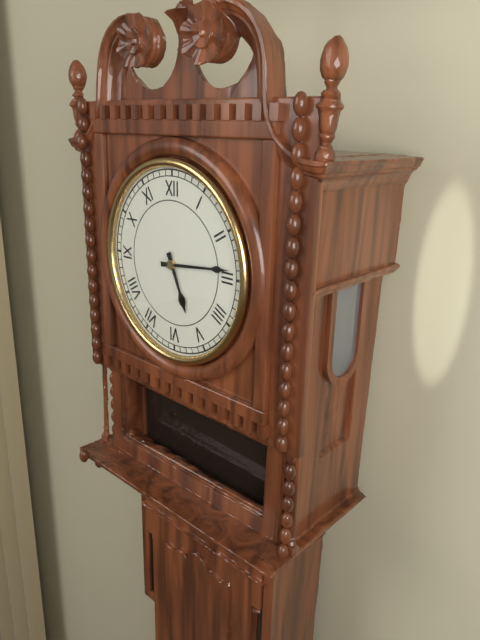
5:14
